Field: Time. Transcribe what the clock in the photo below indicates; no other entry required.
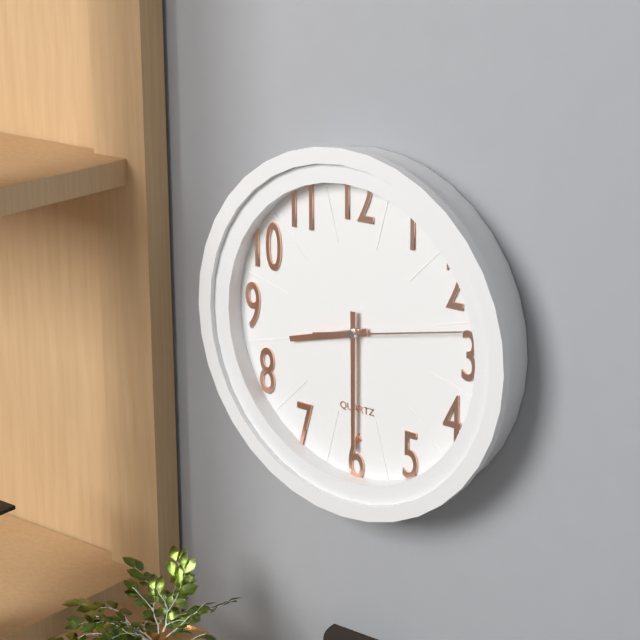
8:30:13
